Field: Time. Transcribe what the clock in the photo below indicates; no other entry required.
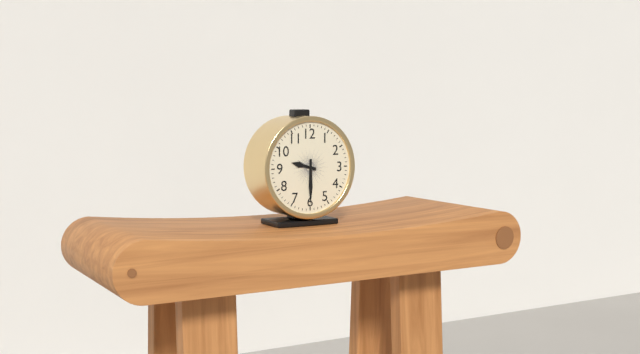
9:30
